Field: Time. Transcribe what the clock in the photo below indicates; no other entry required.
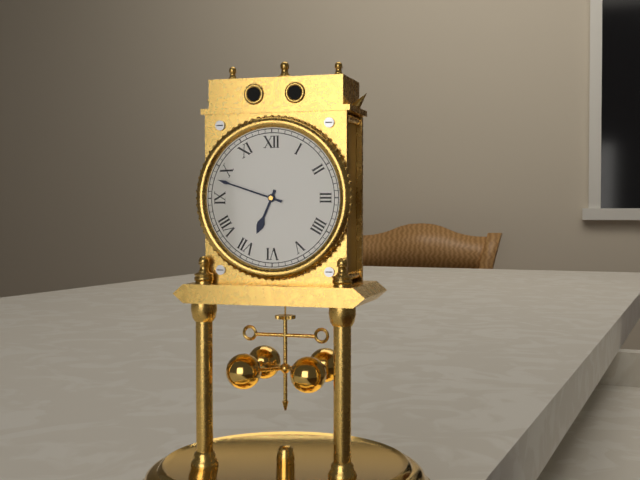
6:48
